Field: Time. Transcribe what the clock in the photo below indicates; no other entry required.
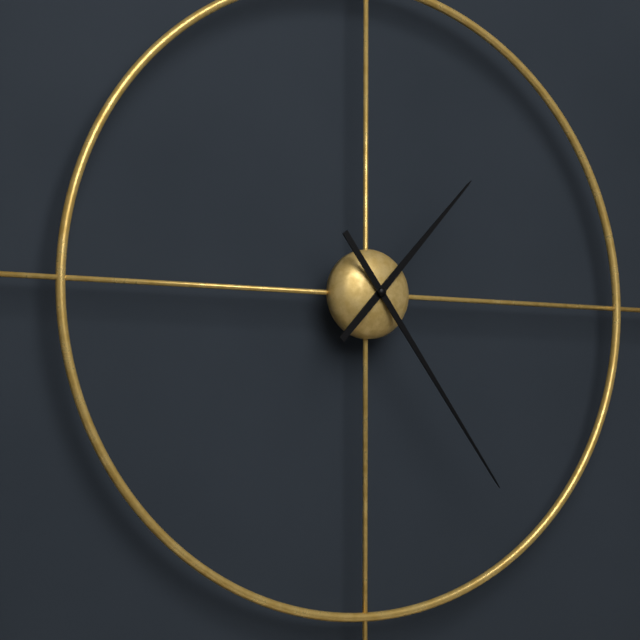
1:24
